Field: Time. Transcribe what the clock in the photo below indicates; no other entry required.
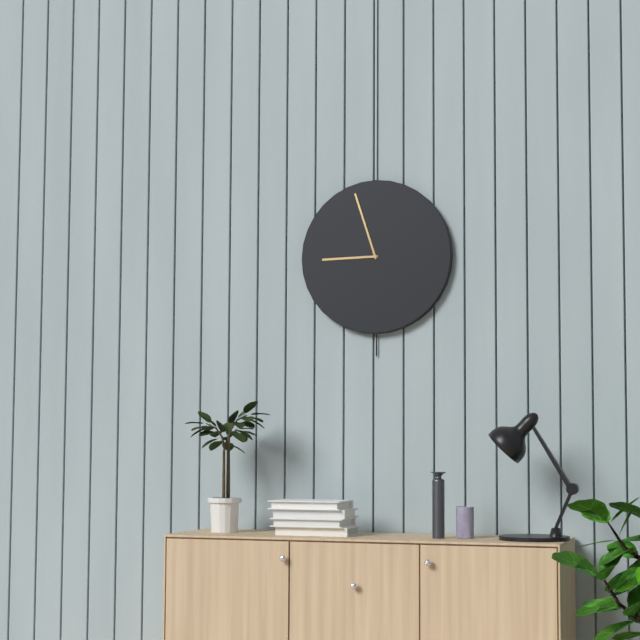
8:57
